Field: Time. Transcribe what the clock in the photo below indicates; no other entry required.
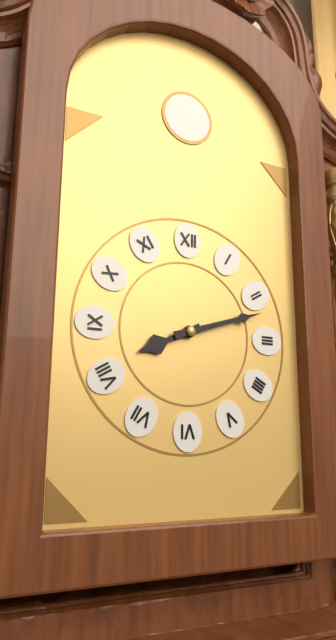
8:12
